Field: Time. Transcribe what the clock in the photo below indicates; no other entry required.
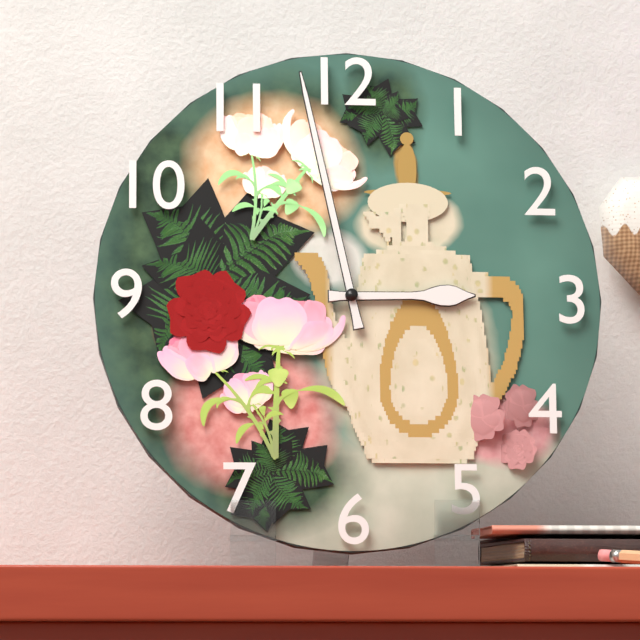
2:58
